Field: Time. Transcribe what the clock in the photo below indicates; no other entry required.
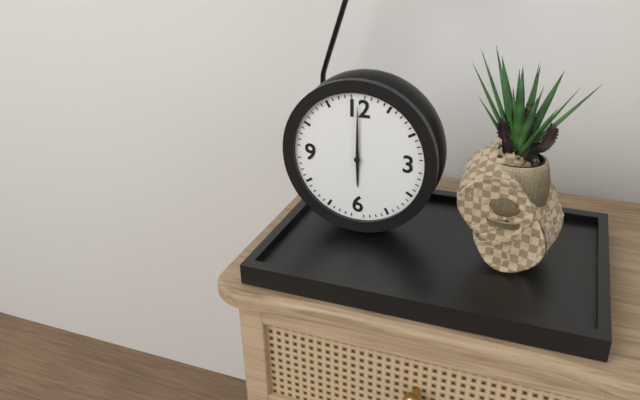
6:00
